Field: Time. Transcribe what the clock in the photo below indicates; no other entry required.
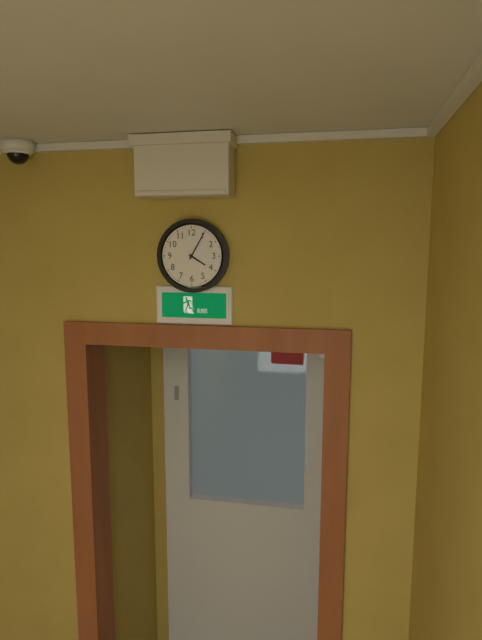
4:05
